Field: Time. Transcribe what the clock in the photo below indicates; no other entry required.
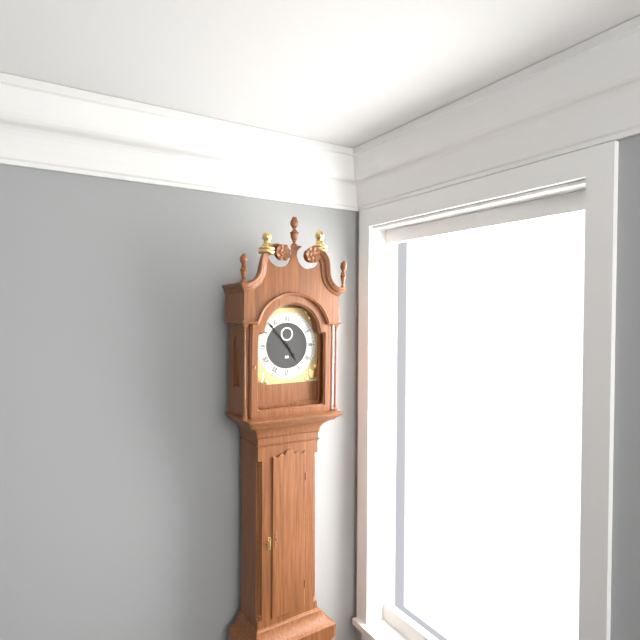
4:53
